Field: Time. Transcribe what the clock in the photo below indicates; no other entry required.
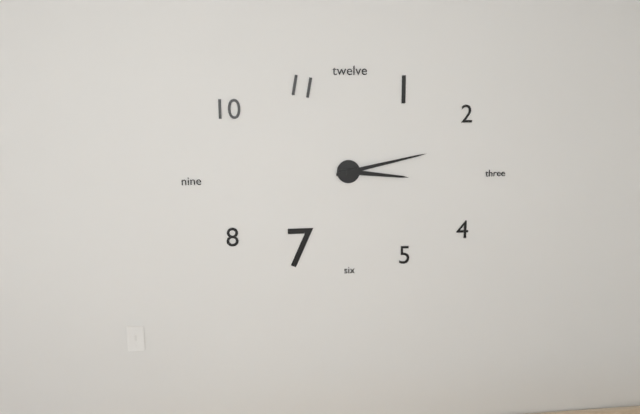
3:13
